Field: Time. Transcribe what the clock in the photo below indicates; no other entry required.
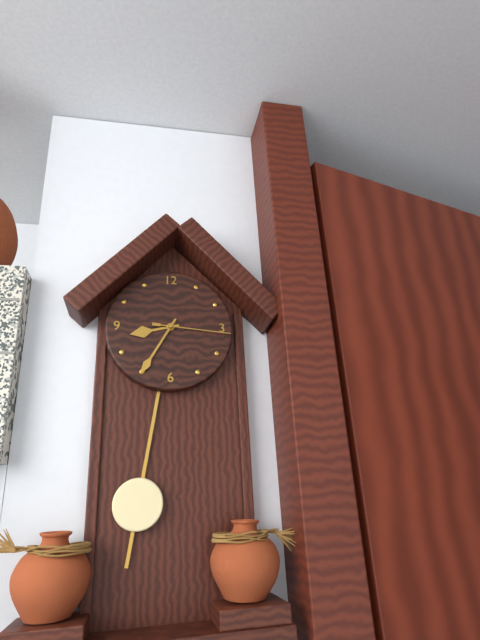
8:35:16
